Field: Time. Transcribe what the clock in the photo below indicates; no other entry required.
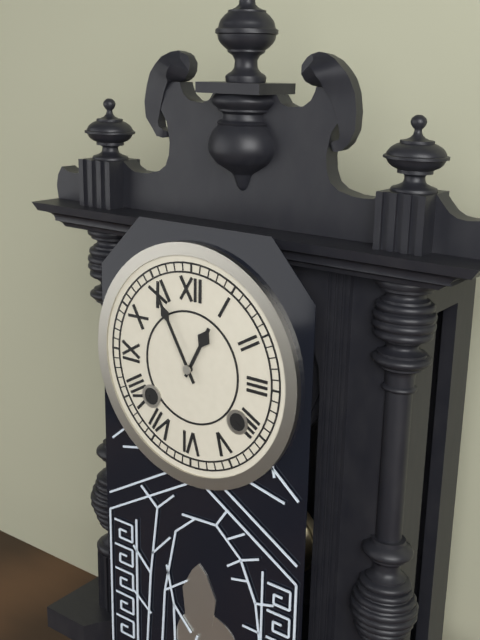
12:55
